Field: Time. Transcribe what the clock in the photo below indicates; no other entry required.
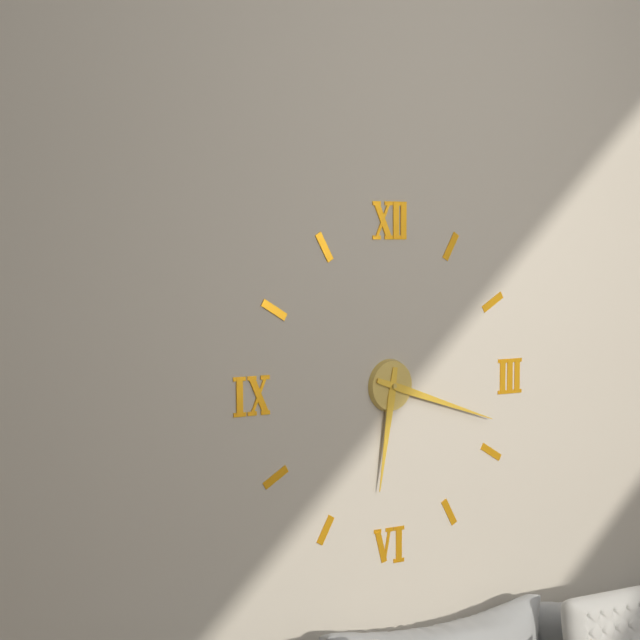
6:18
